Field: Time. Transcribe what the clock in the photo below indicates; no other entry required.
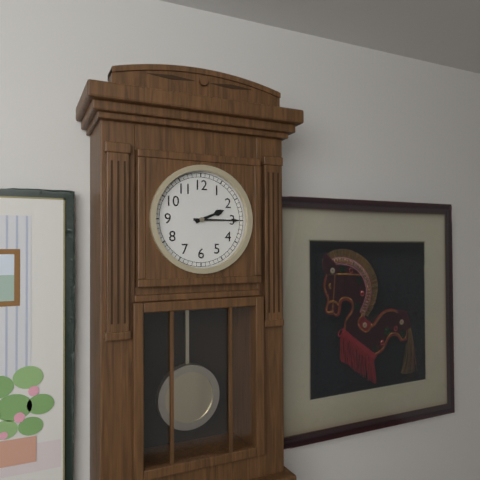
2:15
